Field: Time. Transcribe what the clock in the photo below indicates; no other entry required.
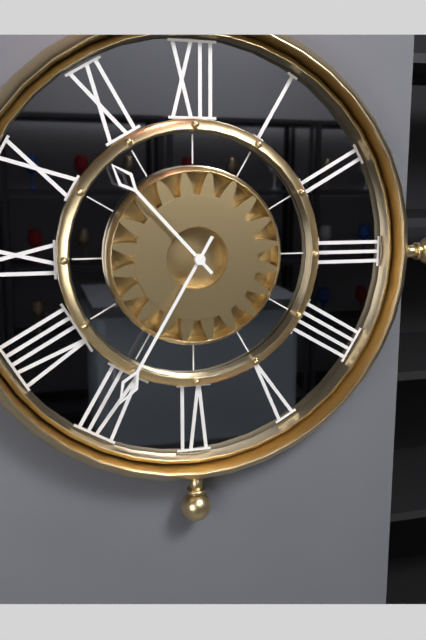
10:35
